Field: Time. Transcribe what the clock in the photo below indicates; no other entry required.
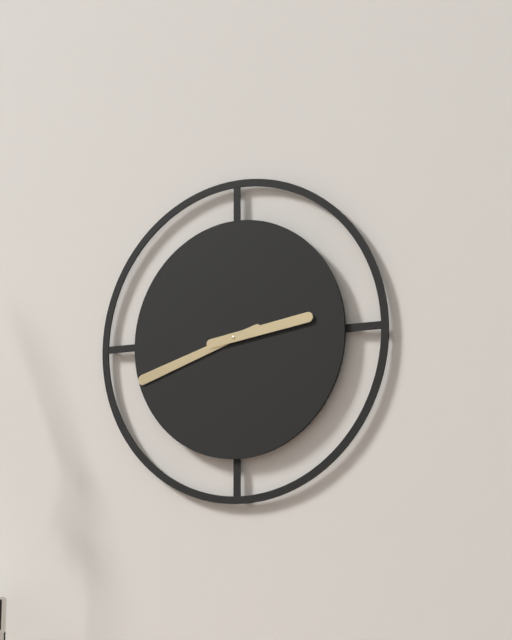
2:42
